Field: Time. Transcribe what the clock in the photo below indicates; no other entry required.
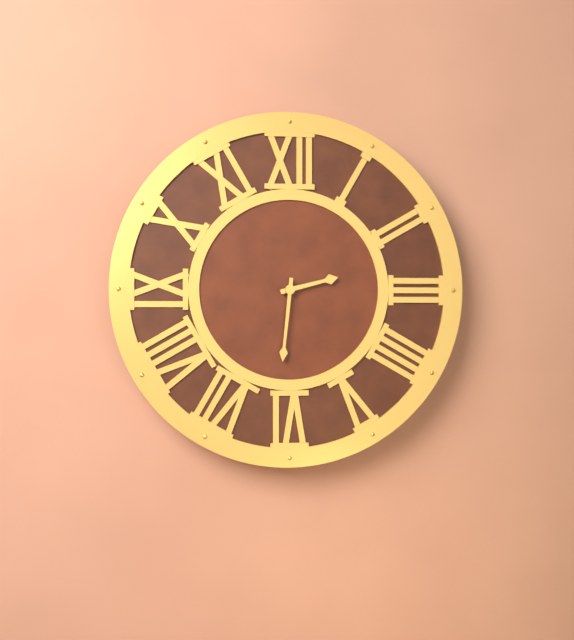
2:31
